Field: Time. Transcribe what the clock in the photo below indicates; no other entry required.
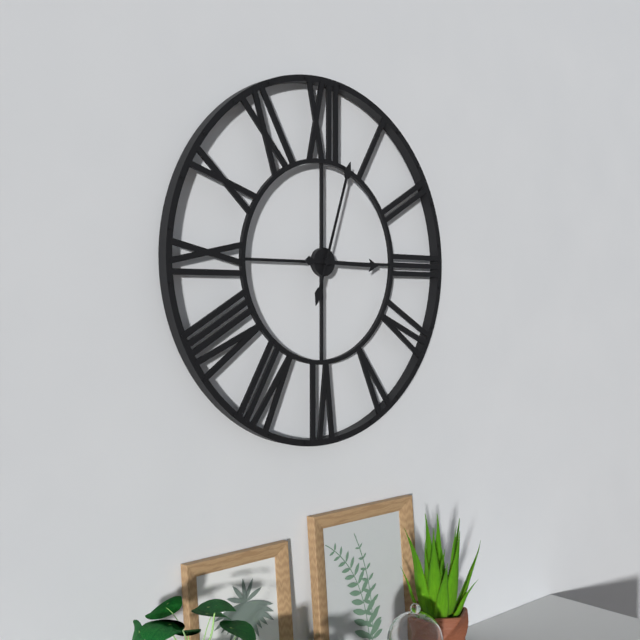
3:03
